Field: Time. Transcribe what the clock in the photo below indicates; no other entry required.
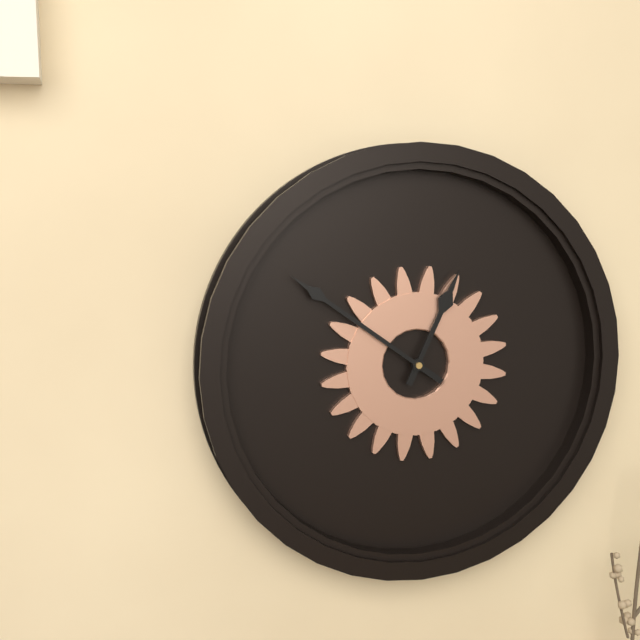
12:51
